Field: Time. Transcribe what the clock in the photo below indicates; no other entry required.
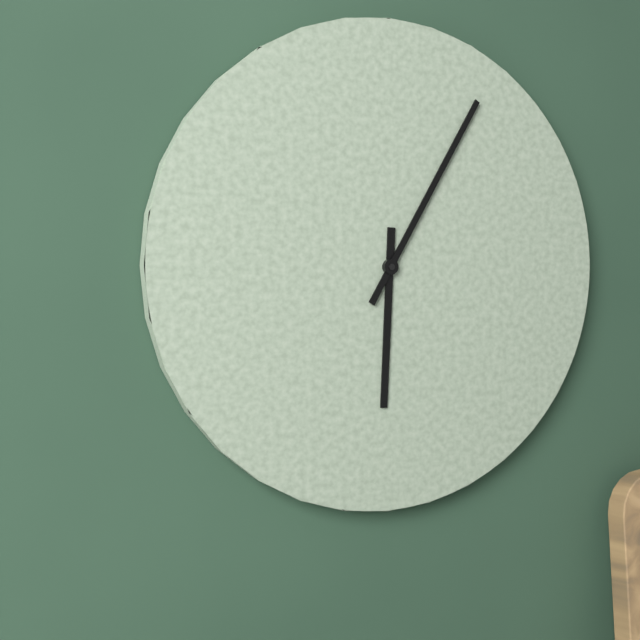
6:05
